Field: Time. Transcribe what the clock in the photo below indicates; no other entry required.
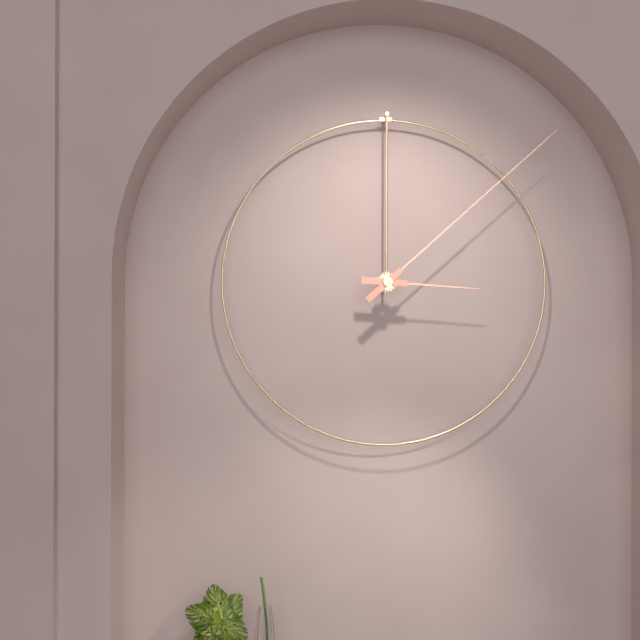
3:08
